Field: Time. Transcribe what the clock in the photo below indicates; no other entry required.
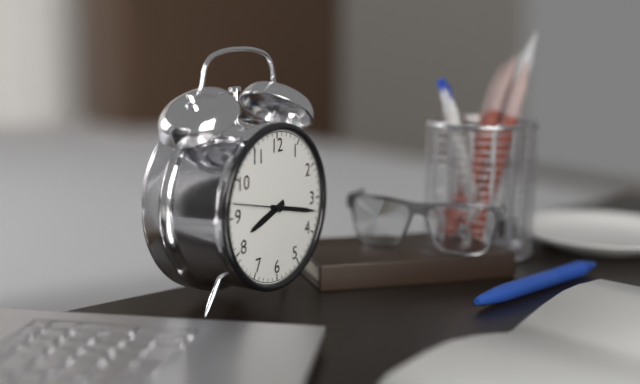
8:17:47
